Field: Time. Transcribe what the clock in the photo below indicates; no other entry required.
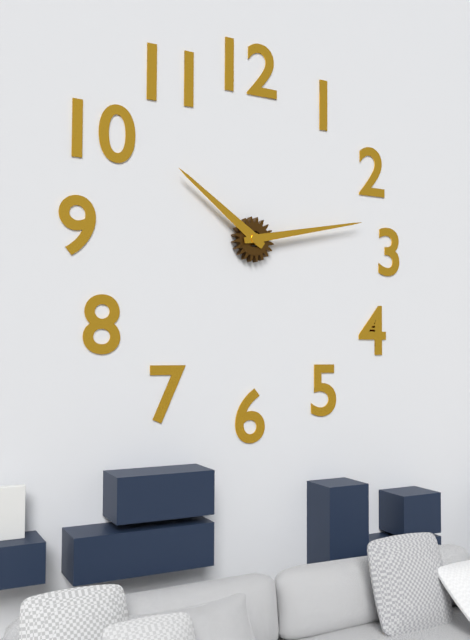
10:13
